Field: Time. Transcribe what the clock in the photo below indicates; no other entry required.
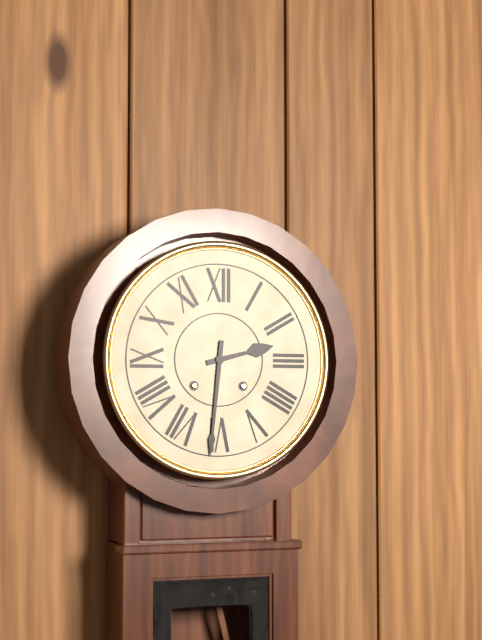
2:31
